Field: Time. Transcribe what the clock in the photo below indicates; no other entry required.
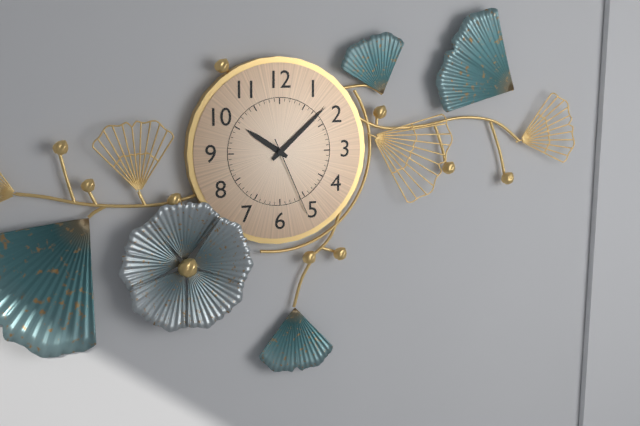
10:08:26
